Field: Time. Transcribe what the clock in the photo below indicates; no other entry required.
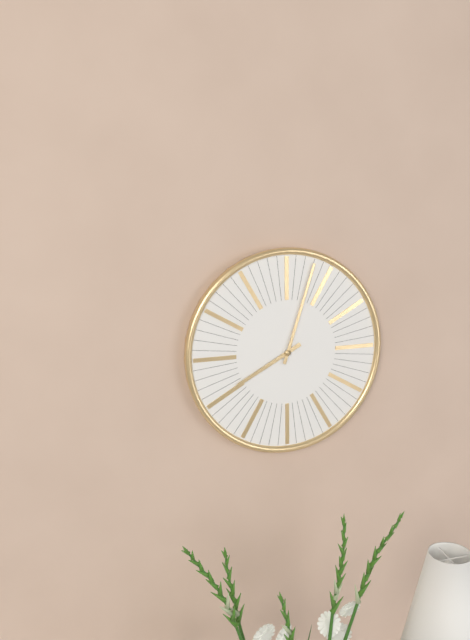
8:03
